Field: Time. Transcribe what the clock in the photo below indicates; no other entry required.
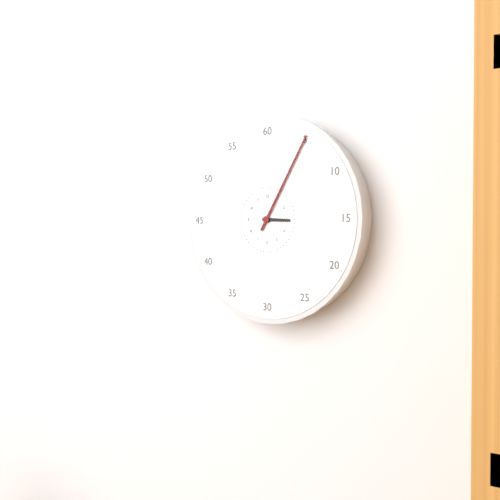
3:05
